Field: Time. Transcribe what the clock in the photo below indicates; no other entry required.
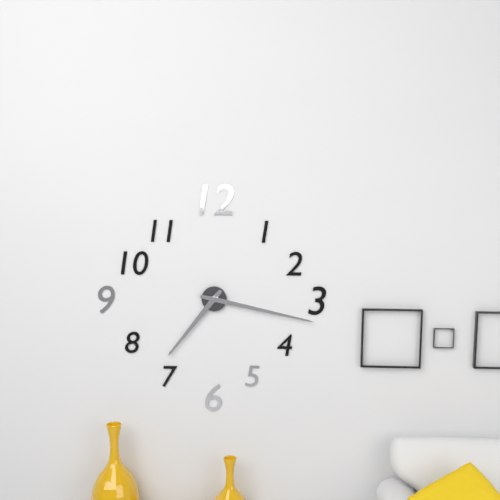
7:17
